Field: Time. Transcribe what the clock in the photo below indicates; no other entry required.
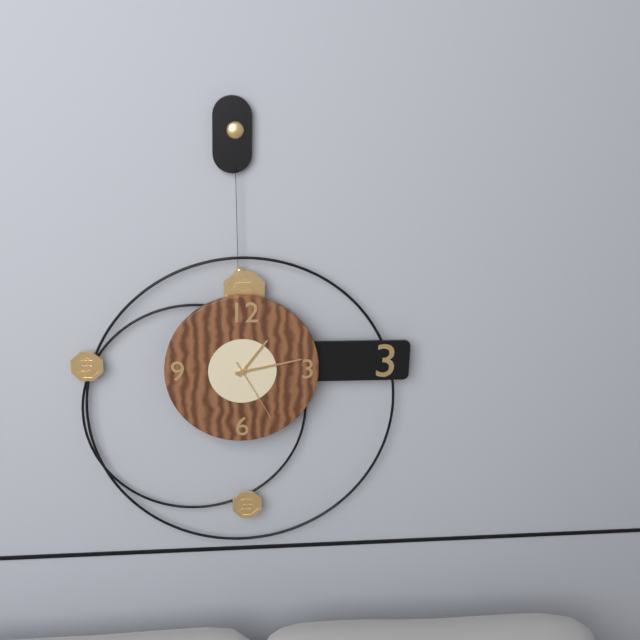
1:13:25
